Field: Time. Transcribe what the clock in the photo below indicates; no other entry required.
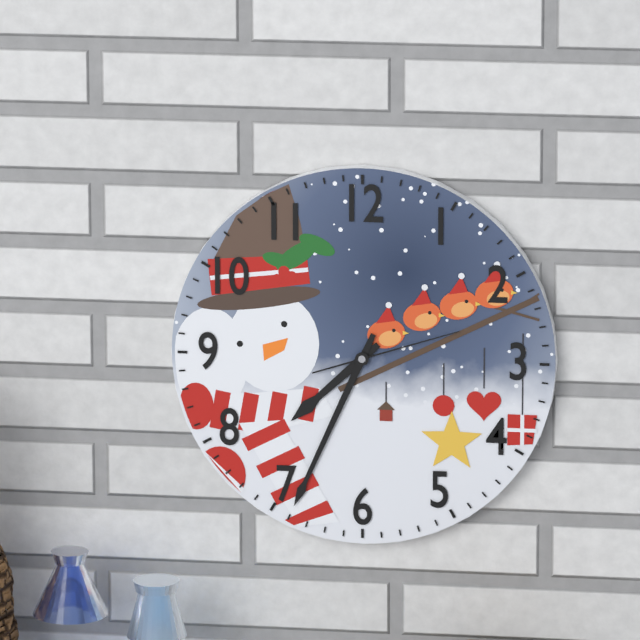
7:34:12
